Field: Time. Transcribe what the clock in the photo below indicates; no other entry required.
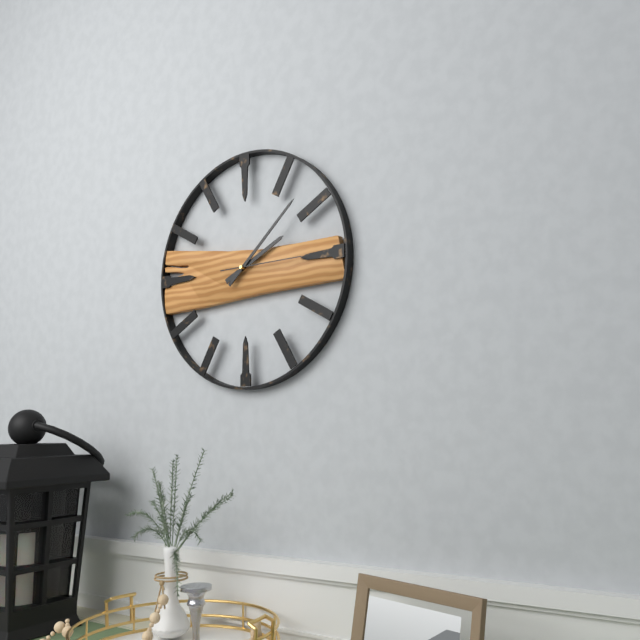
2:08:15
